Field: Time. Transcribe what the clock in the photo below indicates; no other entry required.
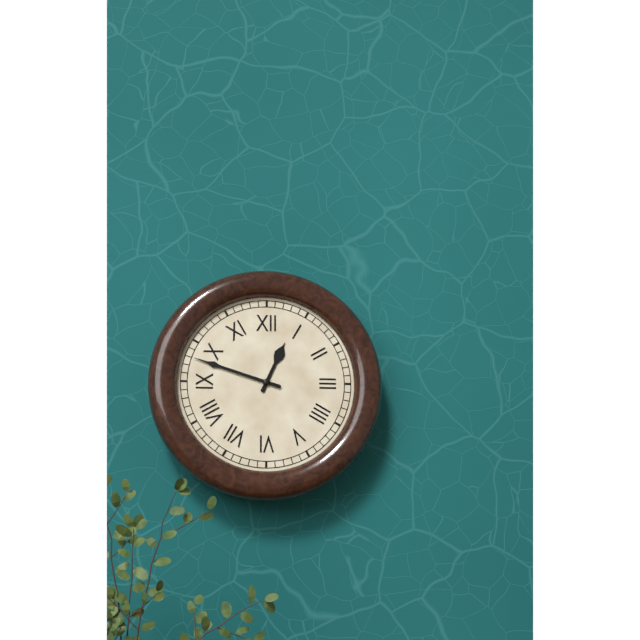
12:48
